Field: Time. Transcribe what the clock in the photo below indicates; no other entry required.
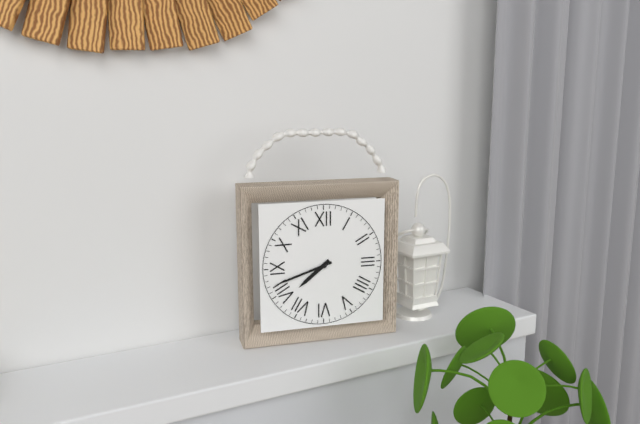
7:42
